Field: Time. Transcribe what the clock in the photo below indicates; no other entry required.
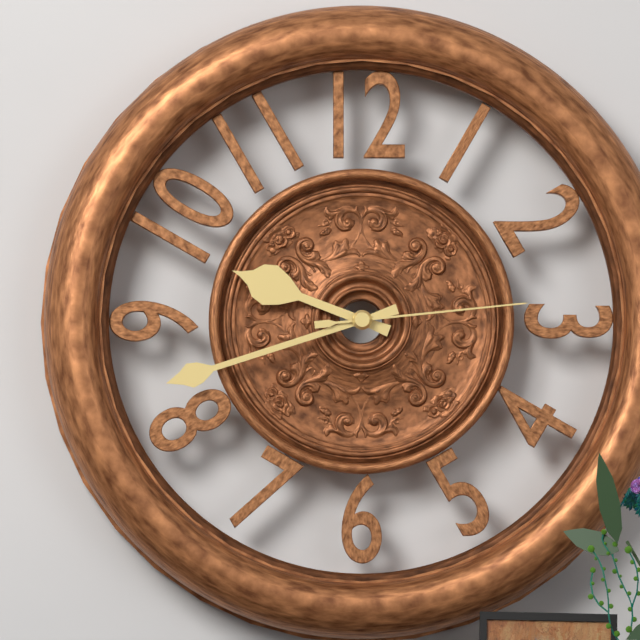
9:42:14
